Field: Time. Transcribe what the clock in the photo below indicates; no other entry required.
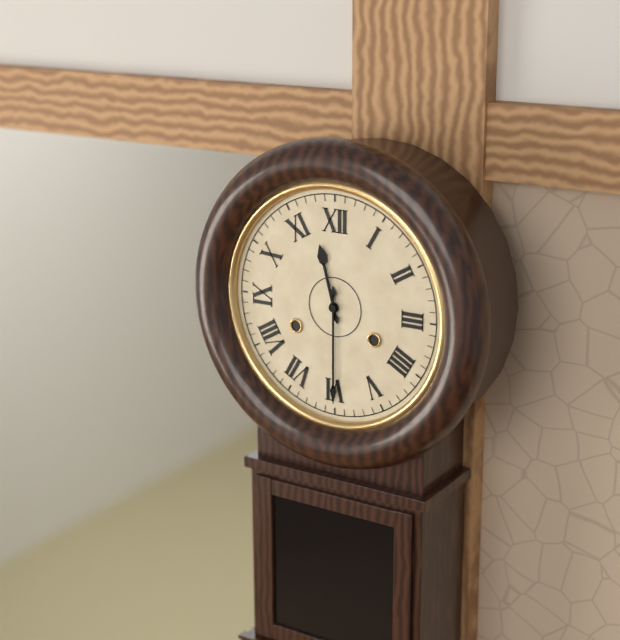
11:30
